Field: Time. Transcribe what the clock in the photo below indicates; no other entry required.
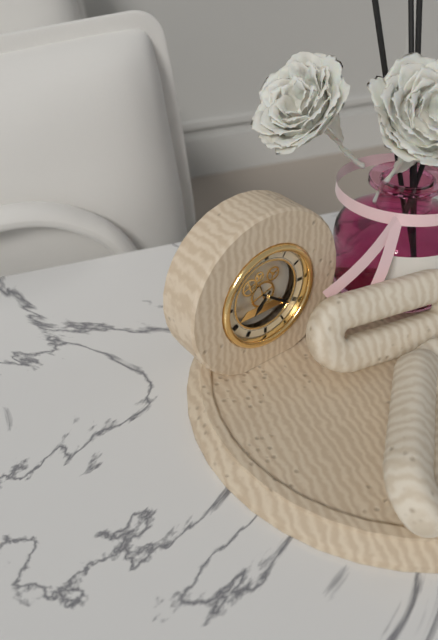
7:21
